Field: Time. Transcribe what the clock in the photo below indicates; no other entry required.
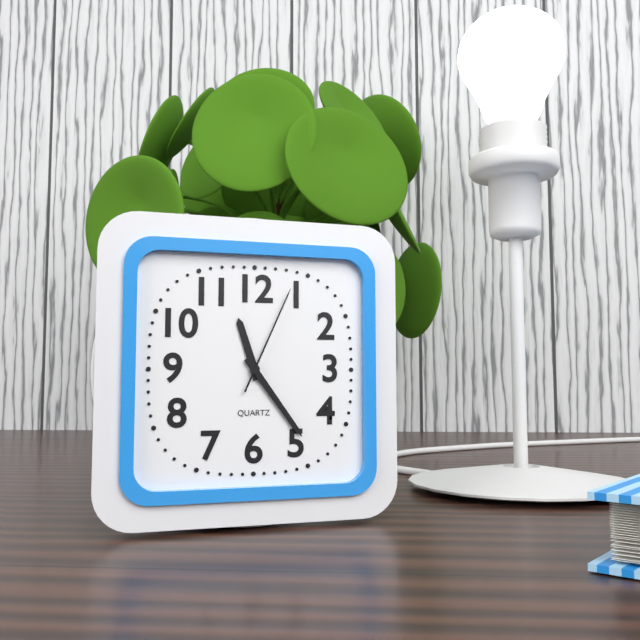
11:24:04
